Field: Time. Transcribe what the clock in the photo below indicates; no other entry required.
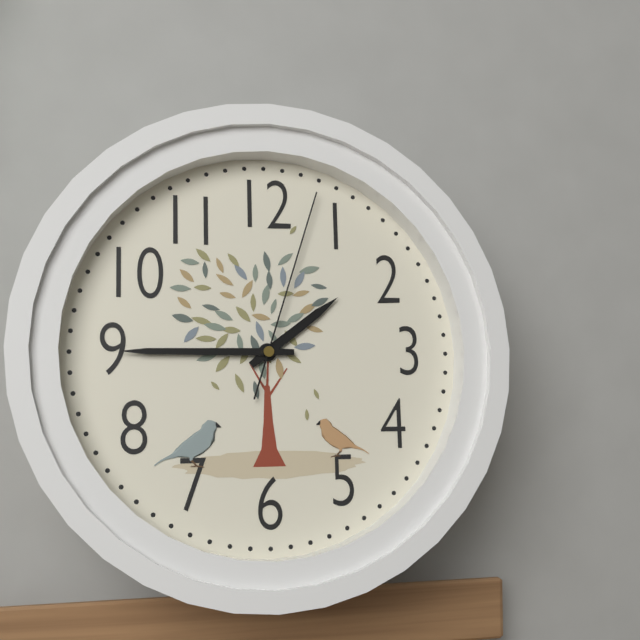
1:45:03
